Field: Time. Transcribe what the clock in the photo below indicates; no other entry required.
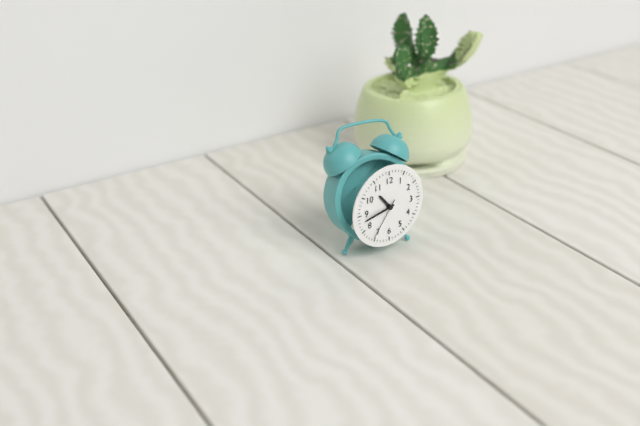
10:43
